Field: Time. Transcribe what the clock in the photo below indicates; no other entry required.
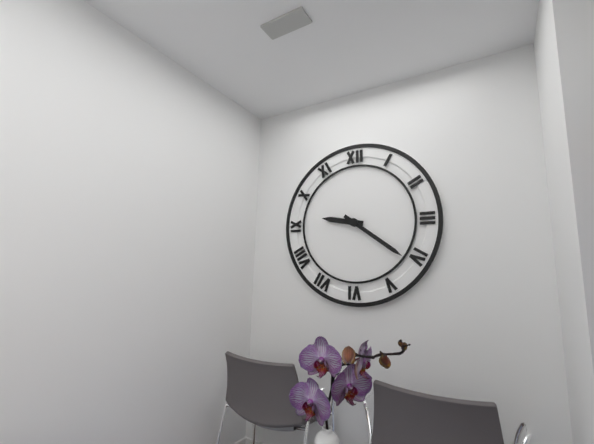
9:21
